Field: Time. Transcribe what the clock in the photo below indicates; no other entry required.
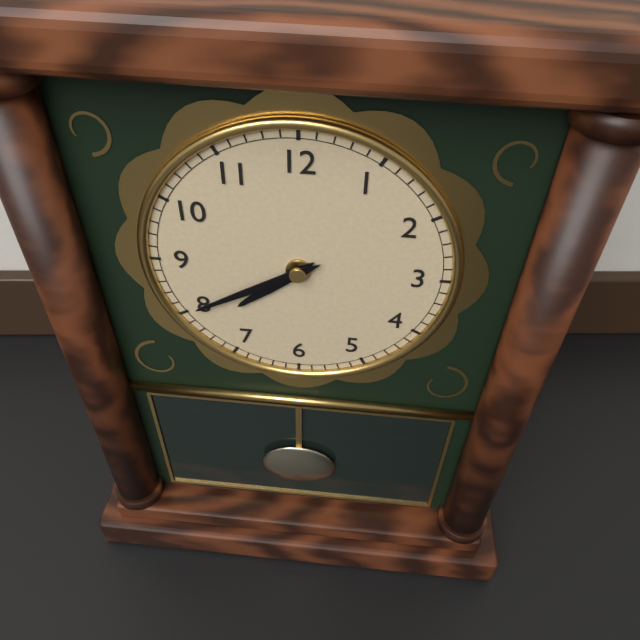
7:40
